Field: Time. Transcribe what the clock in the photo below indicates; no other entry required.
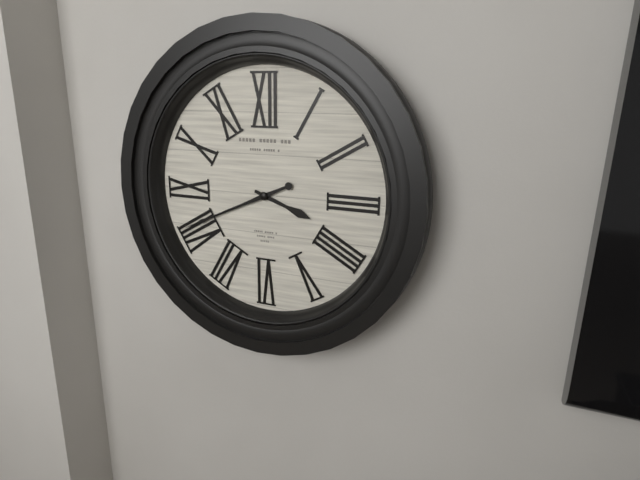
3:41
